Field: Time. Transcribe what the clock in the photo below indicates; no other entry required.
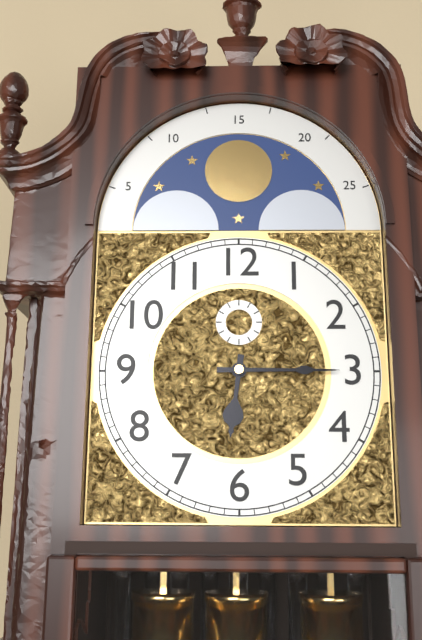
6:15
